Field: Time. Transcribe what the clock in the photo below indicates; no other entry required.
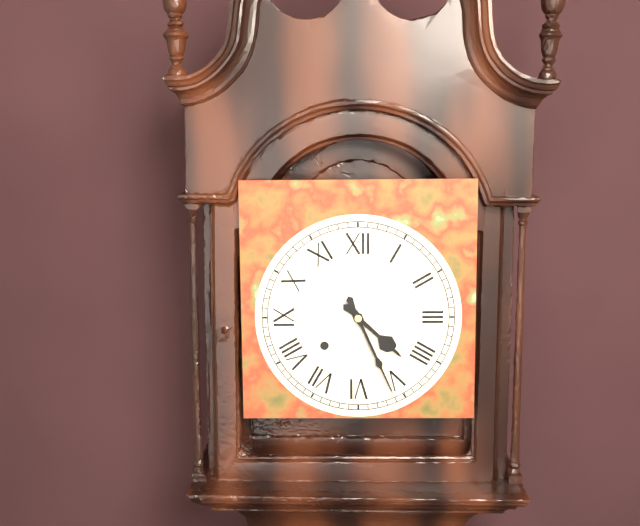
4:26
